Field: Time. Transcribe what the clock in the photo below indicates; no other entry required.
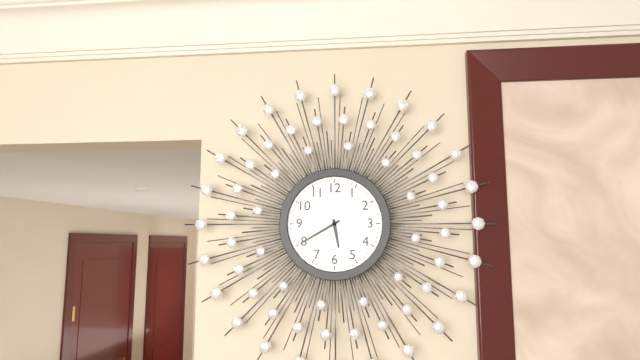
5:40
